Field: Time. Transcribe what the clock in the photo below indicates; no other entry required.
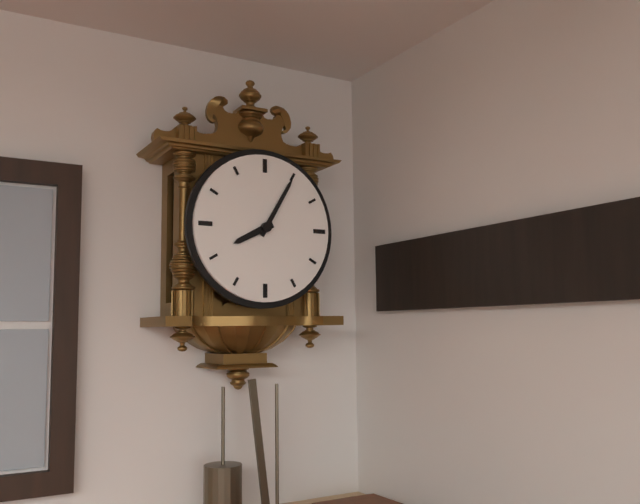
8:05
